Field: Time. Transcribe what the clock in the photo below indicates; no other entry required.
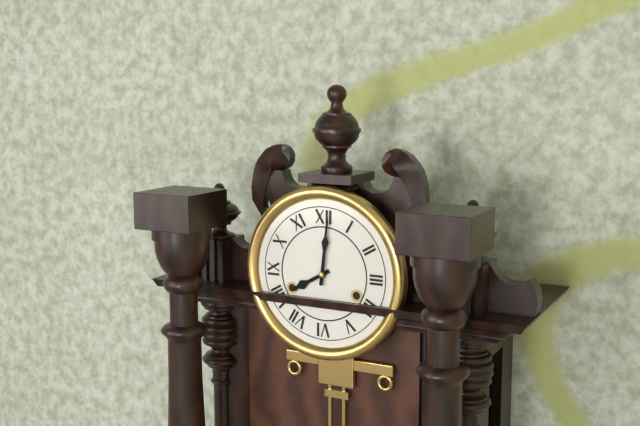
8:01
